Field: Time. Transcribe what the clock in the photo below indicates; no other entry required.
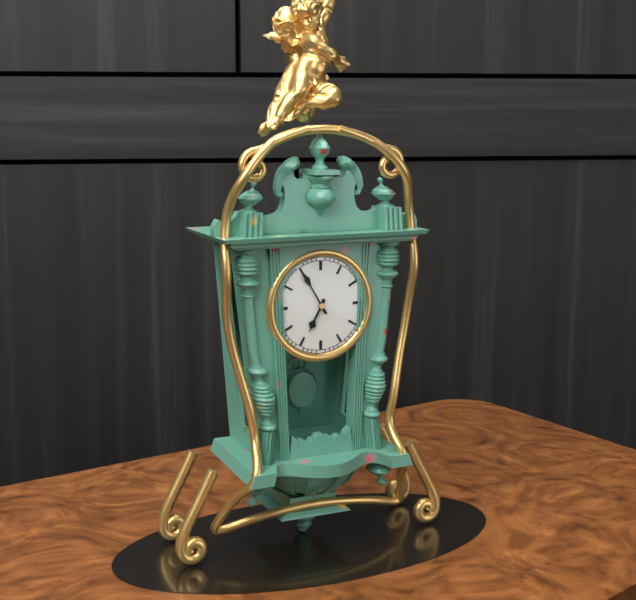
6:55
